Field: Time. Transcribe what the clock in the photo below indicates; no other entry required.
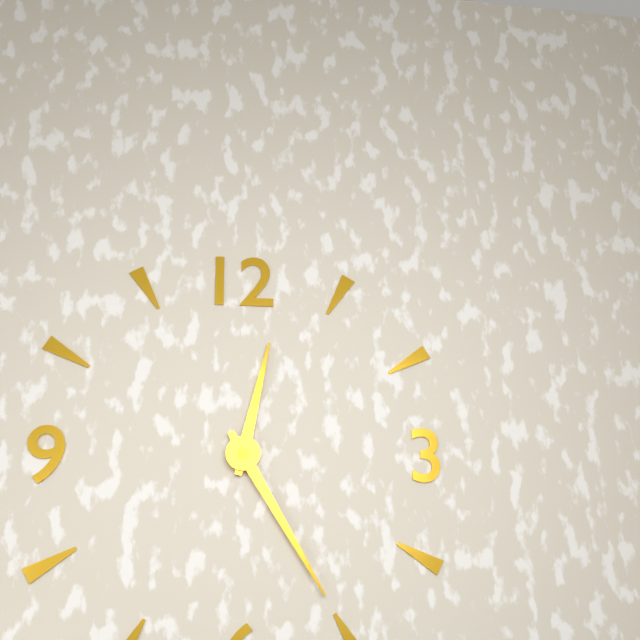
12:25
